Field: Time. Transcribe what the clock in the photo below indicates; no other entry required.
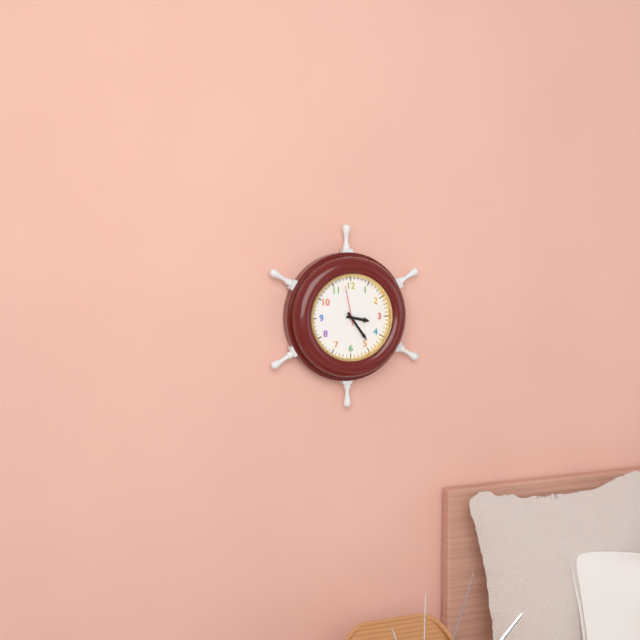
3:24
